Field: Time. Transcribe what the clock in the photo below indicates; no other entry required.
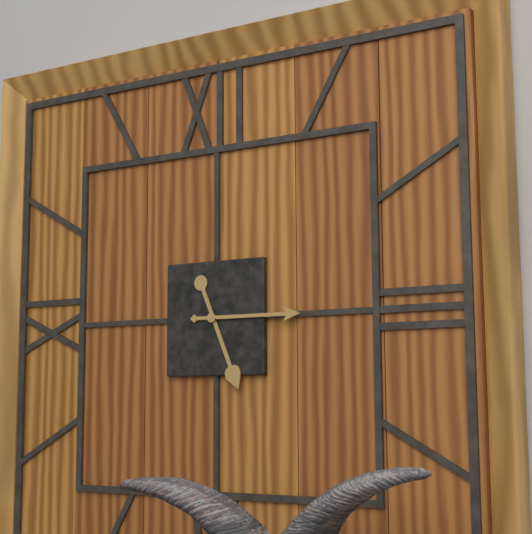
5:15
